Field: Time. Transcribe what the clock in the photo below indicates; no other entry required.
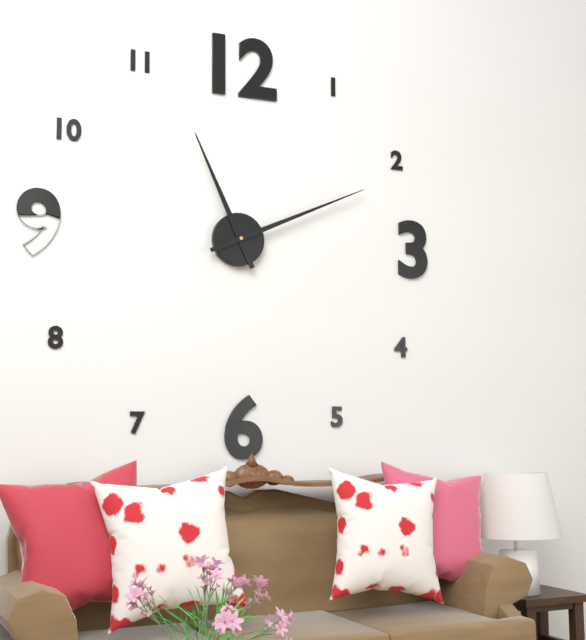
11:11
